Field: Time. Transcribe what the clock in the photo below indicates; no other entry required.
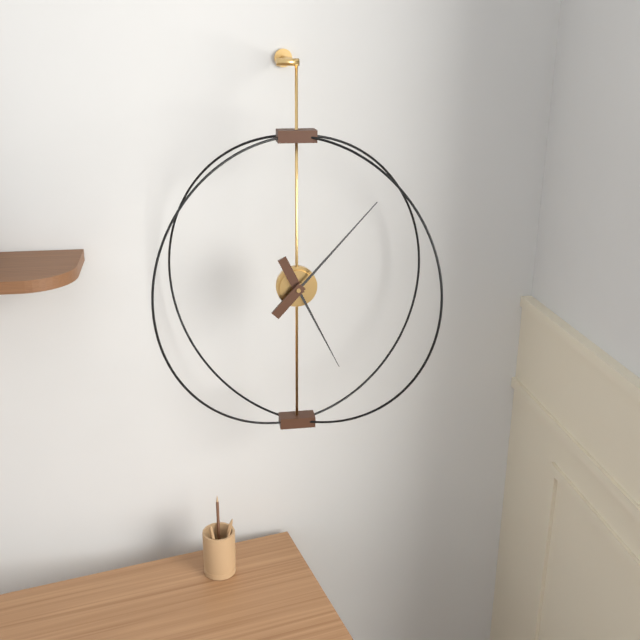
5:07
